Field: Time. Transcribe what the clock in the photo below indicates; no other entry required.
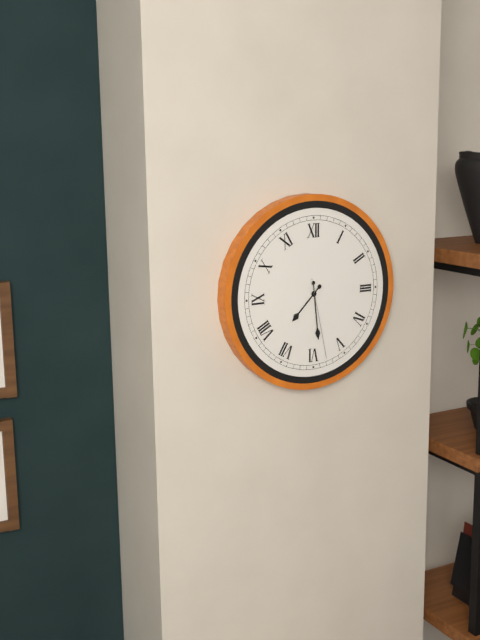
7:29:28
